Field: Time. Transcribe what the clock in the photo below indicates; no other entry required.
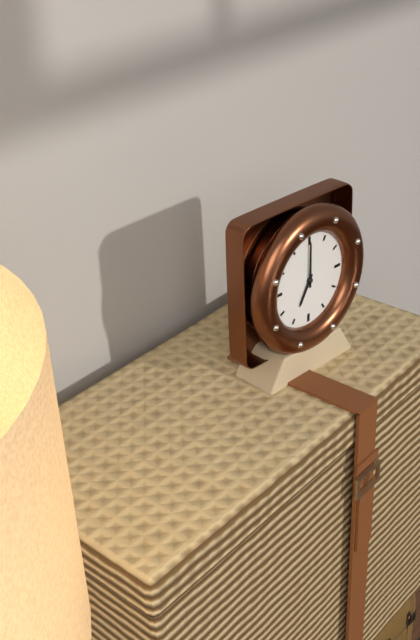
7:00
